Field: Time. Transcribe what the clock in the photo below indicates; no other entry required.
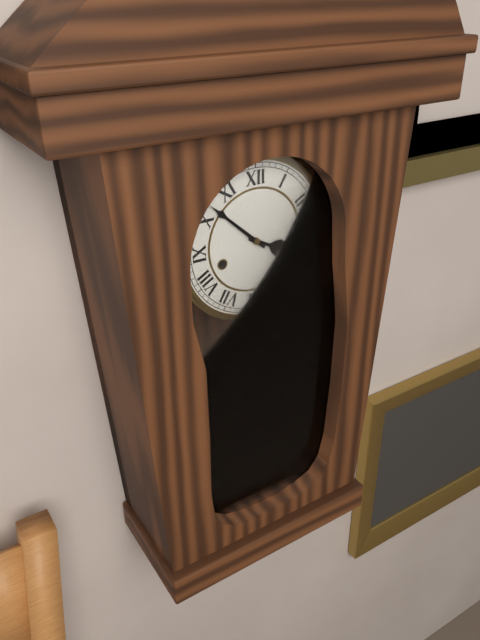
3:52
